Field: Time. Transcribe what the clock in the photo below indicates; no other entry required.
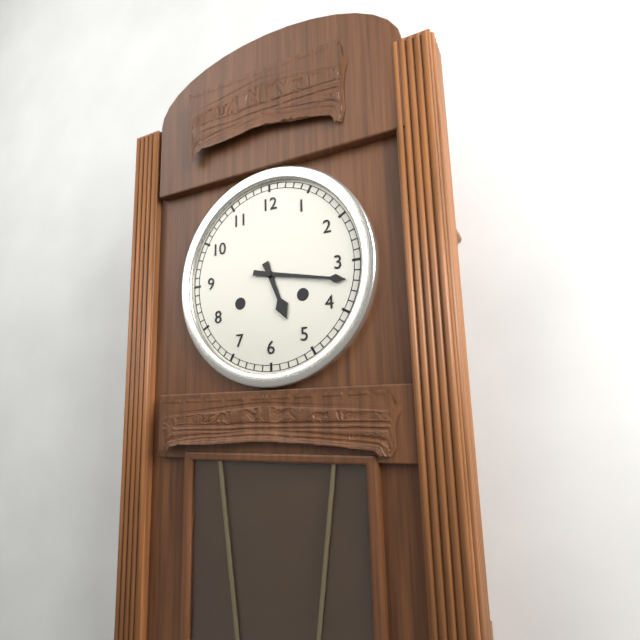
5:17
